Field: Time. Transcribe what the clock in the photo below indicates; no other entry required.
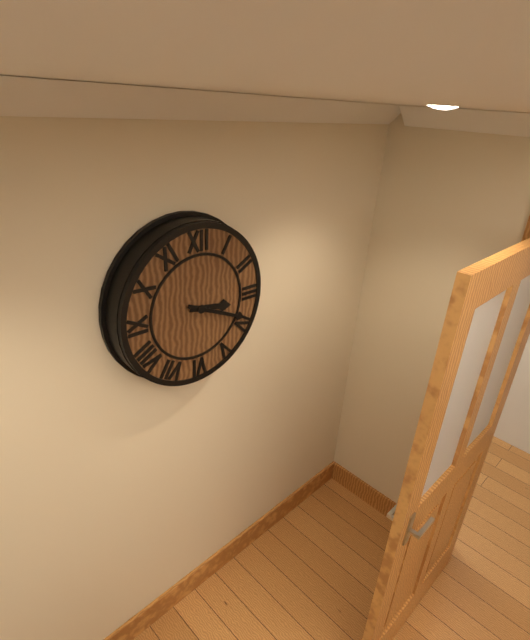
3:19
